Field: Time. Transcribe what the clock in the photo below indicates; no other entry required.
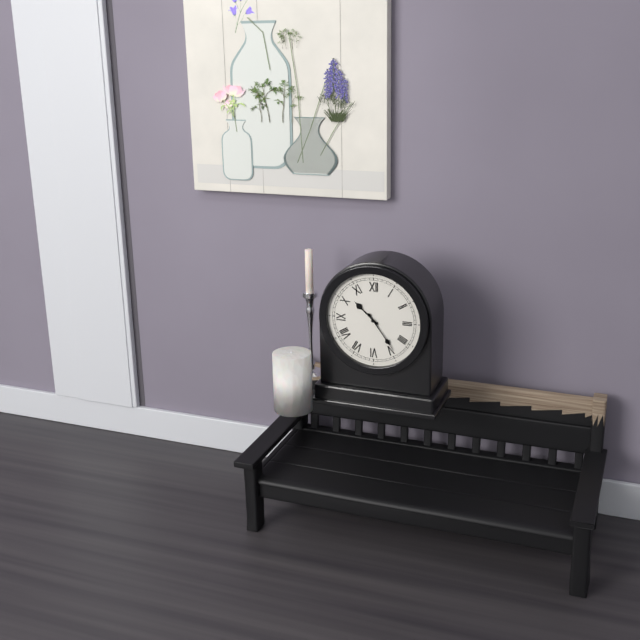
10:24
